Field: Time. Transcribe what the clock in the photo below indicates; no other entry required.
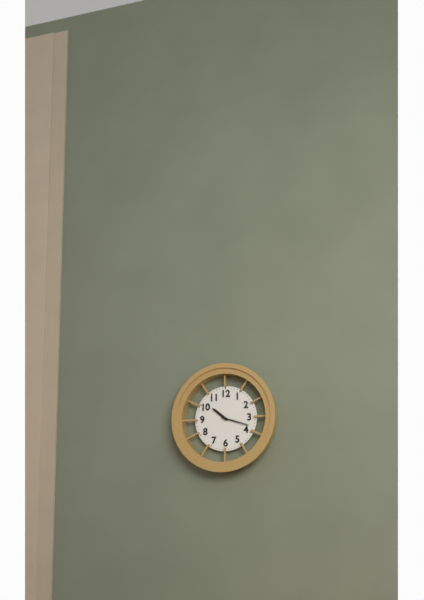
10:18
